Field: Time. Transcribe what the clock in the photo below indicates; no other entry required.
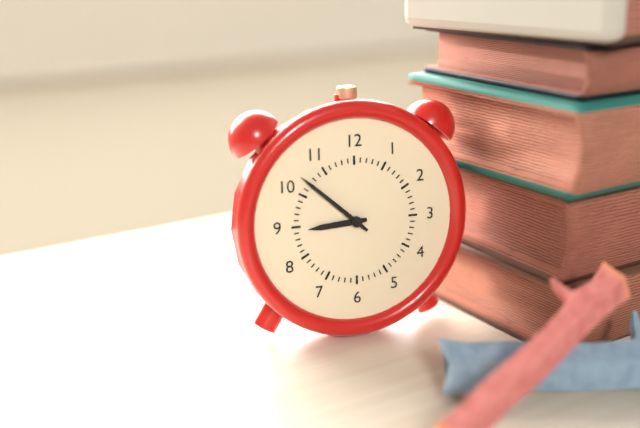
8:52
